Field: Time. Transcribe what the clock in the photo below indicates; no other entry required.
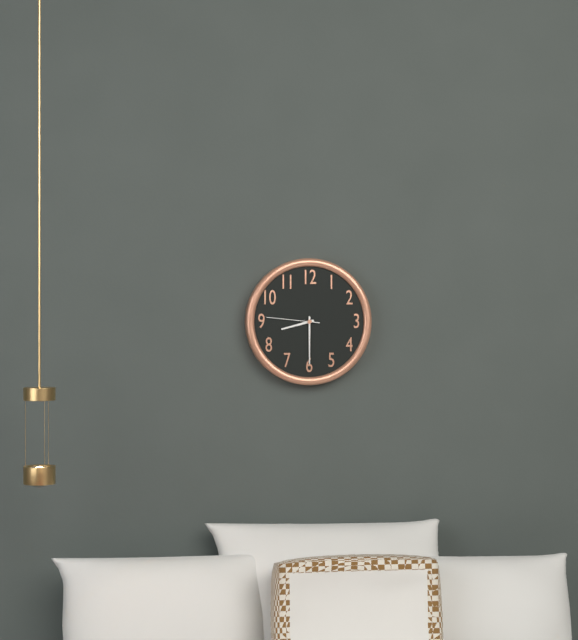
8:30:46
